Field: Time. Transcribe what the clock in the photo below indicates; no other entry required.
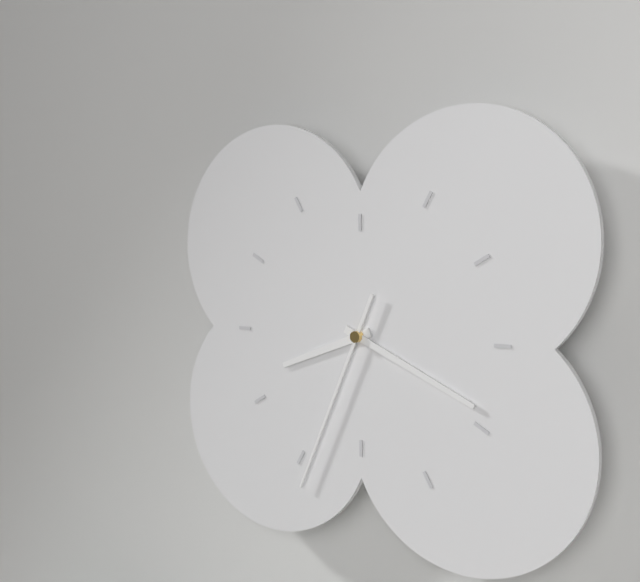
8:19:34
